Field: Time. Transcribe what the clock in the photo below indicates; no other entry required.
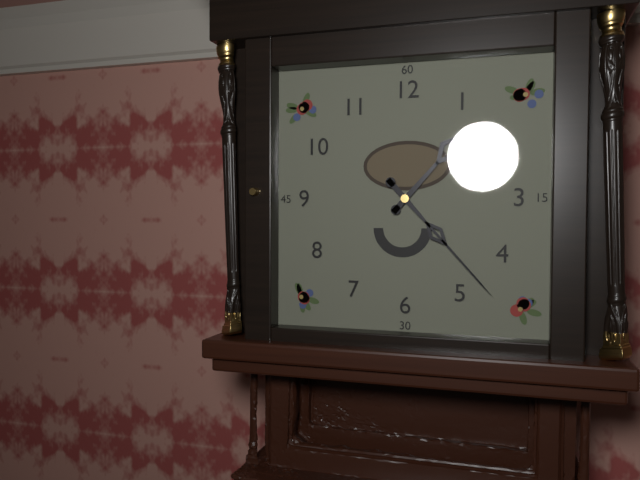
1:23
